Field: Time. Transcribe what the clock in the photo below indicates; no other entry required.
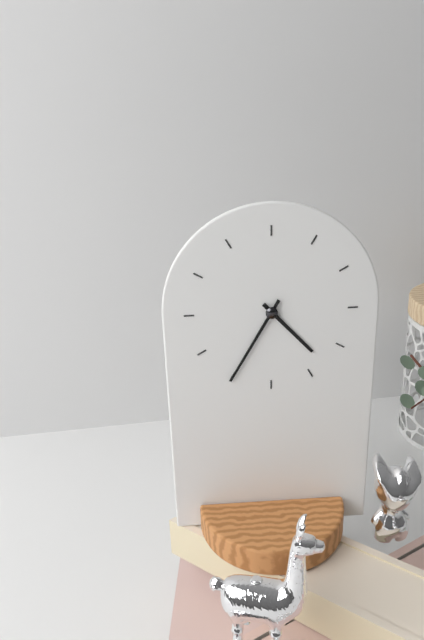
4:35
